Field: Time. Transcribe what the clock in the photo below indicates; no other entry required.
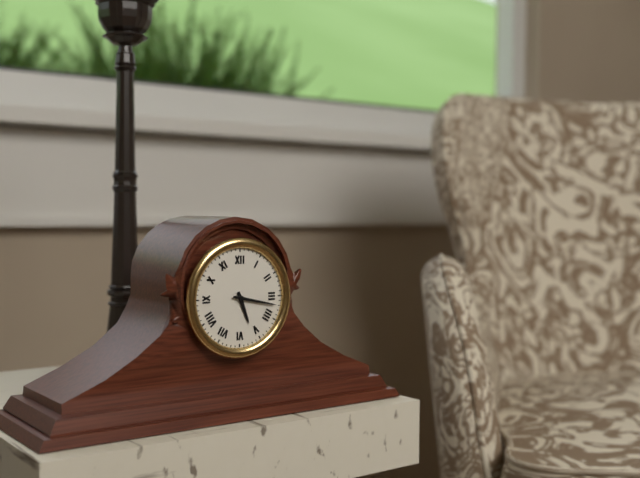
5:17
